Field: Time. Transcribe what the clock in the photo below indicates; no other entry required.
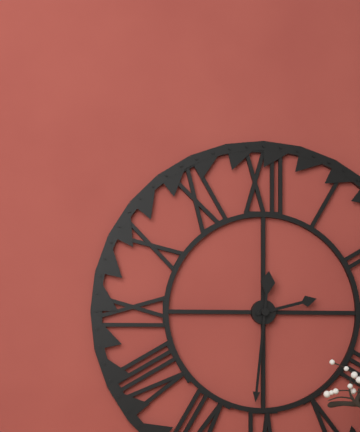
2:31
